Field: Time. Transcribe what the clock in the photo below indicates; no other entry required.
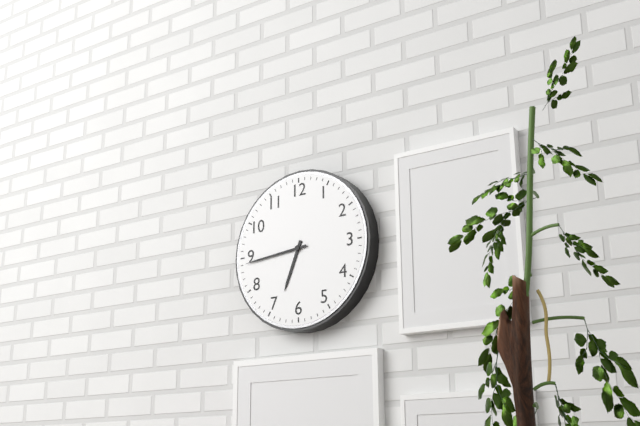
6:44
